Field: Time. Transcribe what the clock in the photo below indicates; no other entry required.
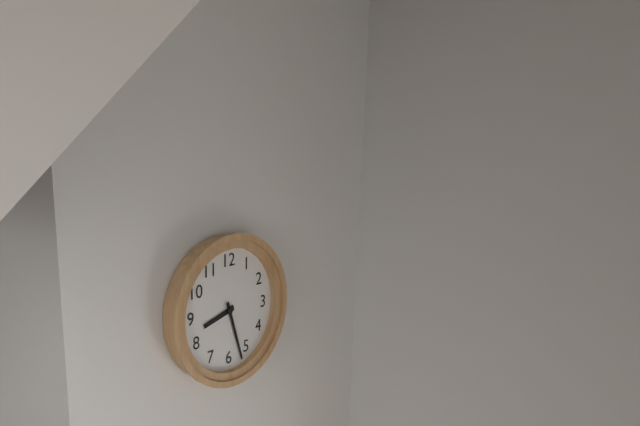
8:27
